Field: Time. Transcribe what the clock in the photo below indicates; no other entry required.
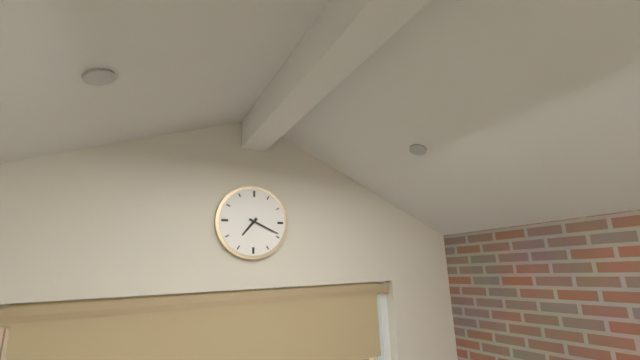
7:19
